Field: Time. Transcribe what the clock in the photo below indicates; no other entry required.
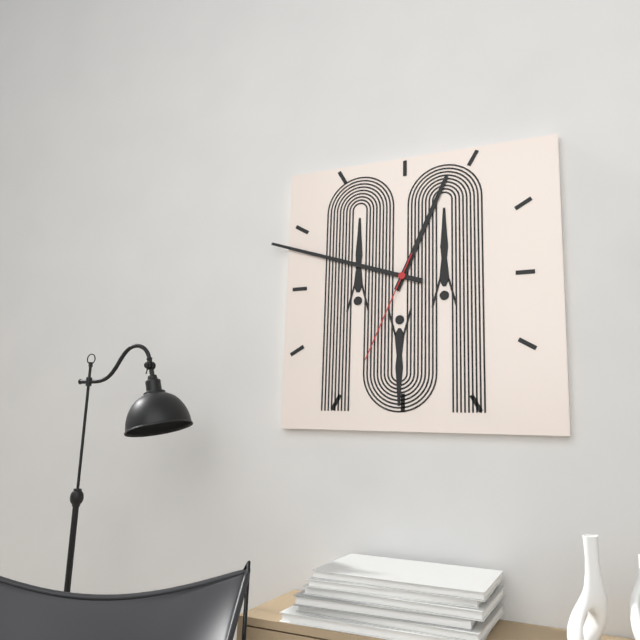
12:48:34
